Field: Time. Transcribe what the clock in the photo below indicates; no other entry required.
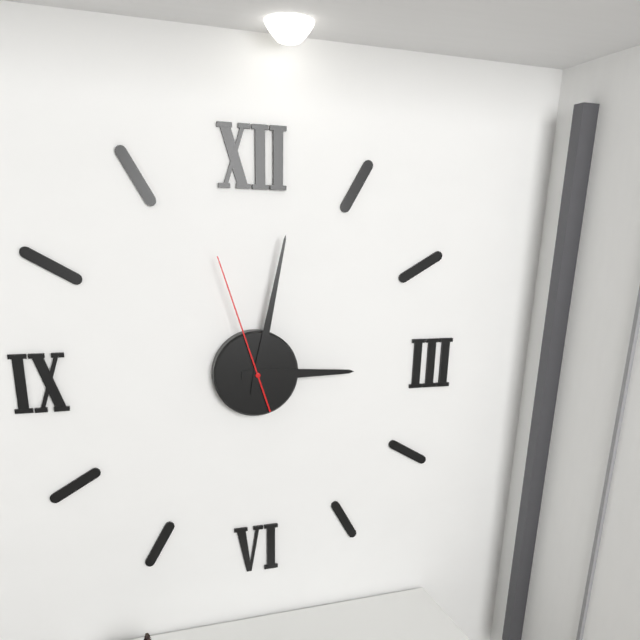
3:02:57
